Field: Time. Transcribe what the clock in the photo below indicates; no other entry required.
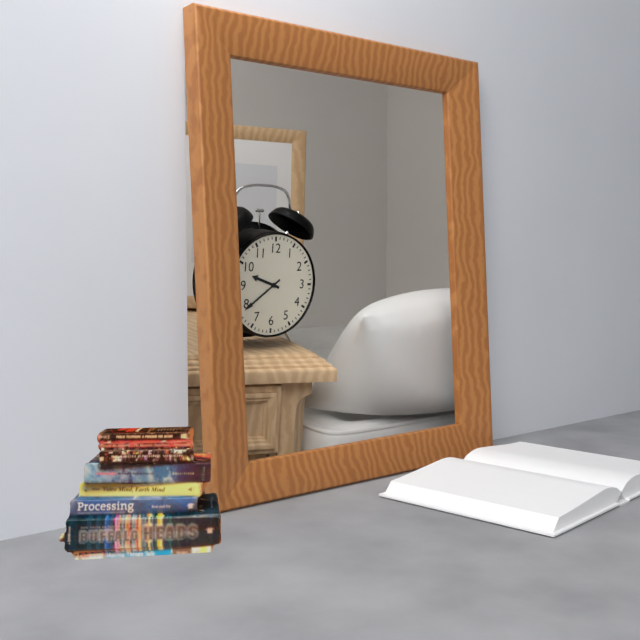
9:39
